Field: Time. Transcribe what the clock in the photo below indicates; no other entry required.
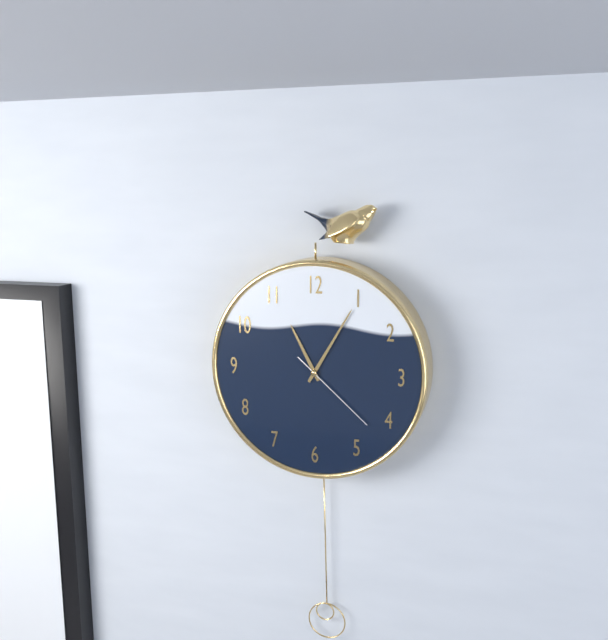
11:05:22
